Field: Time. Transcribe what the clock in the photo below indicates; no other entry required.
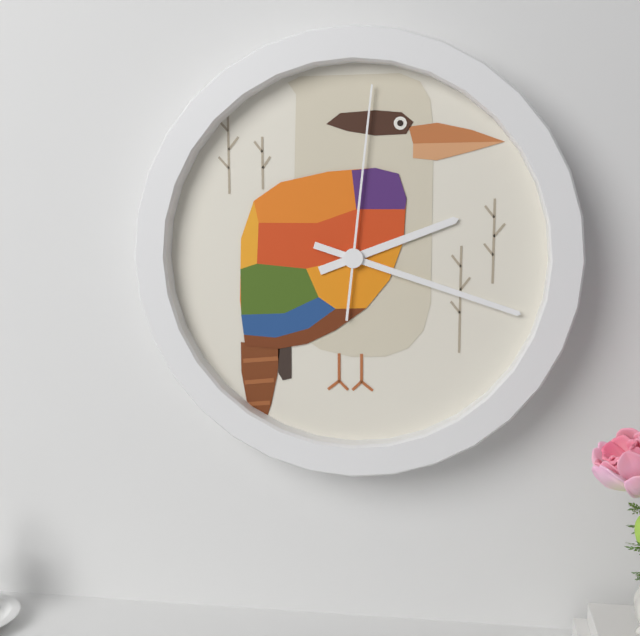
2:18:01
